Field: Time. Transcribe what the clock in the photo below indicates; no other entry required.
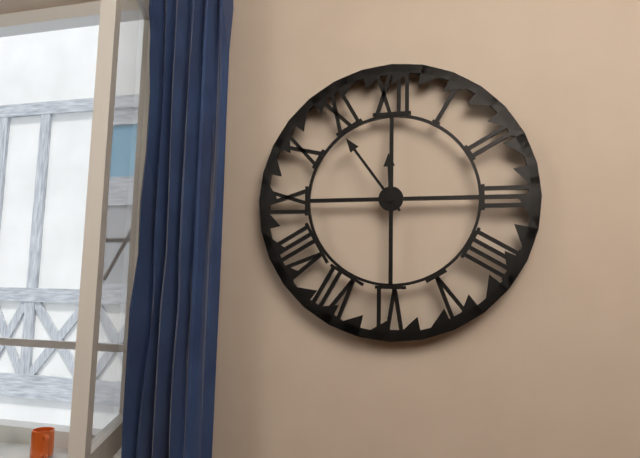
11:54
